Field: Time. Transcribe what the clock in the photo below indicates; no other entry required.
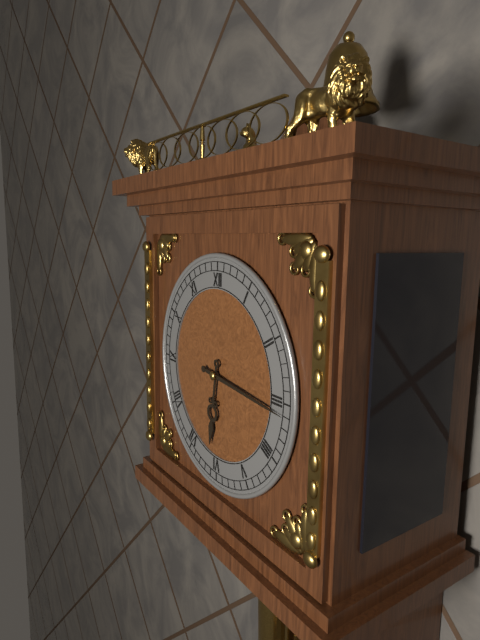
6:16
